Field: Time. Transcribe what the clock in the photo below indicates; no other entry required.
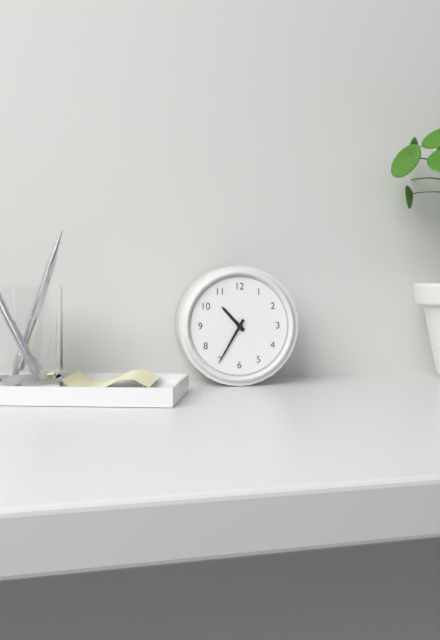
10:35
